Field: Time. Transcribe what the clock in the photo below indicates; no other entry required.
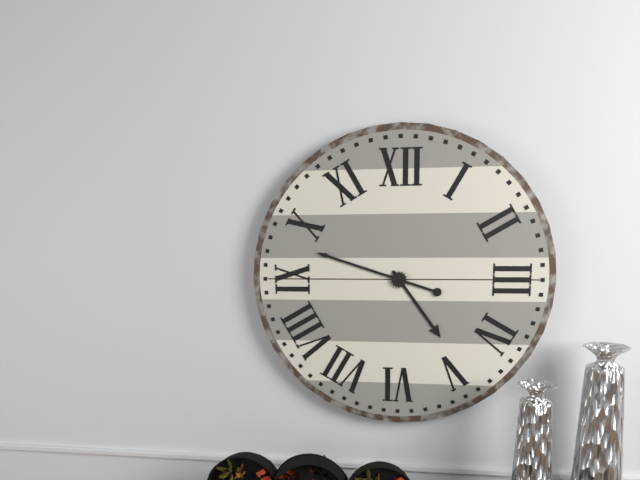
4:48
